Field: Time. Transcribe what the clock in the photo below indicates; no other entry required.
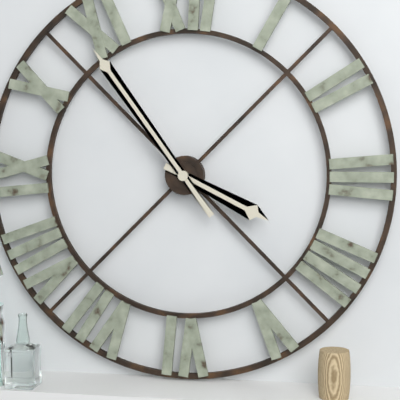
3:54
